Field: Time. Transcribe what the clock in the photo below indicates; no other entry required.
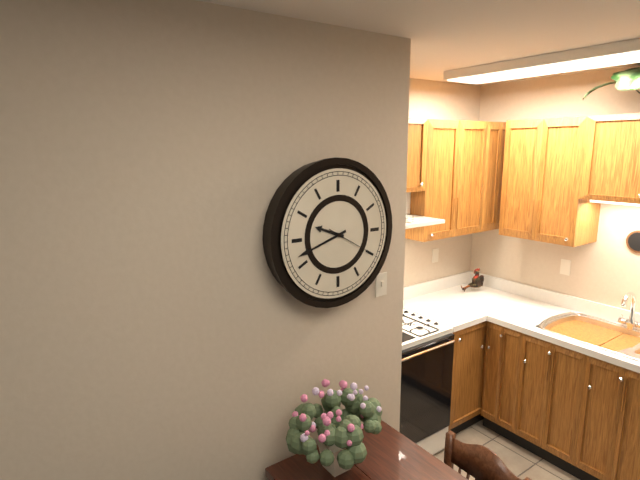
9:42:20
